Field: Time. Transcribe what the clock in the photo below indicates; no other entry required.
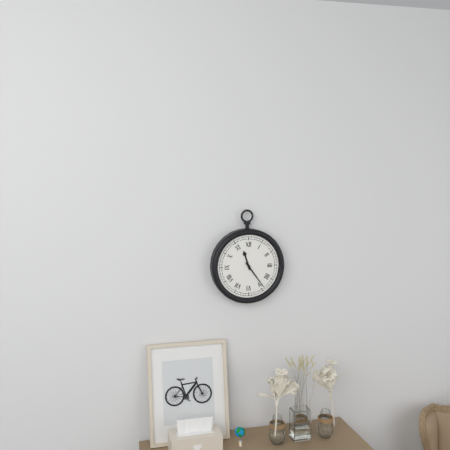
11:24
